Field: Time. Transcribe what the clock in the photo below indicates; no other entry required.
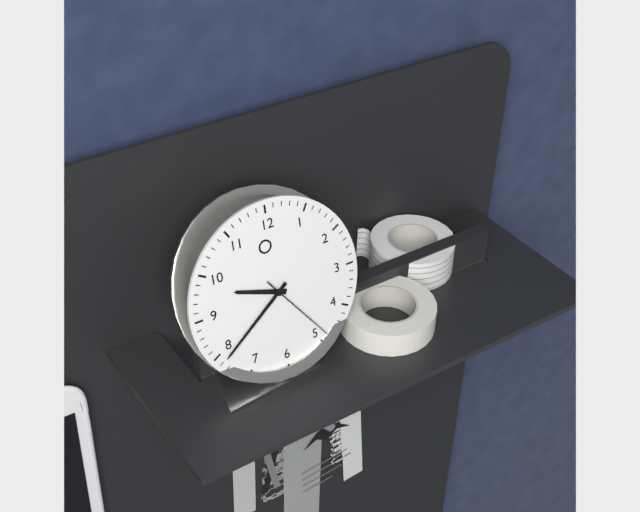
9:39:24
